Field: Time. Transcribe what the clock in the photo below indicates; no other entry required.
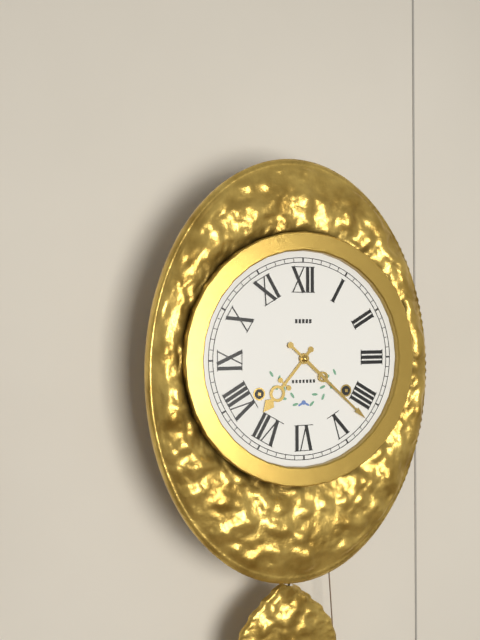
7:22
